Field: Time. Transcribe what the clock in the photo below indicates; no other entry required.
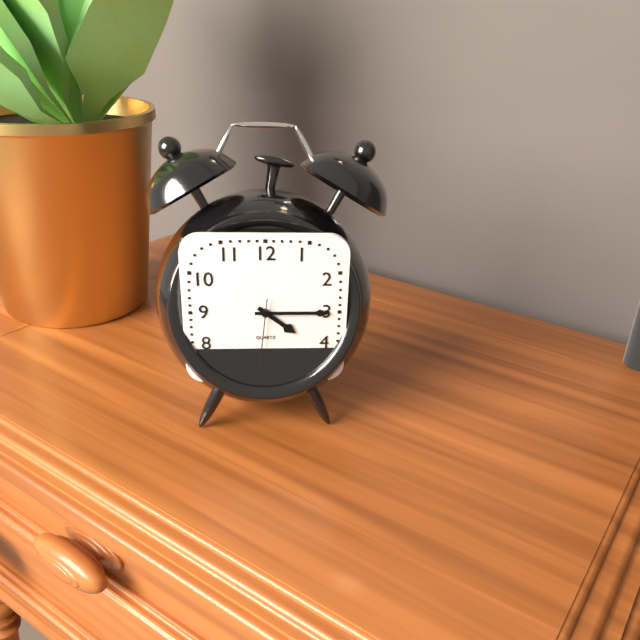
4:15:31
